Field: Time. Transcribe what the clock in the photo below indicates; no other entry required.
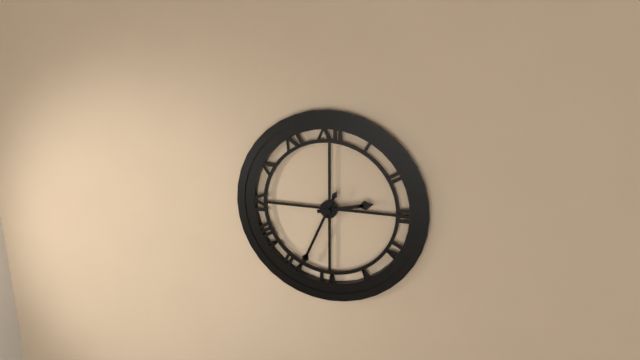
2:34
